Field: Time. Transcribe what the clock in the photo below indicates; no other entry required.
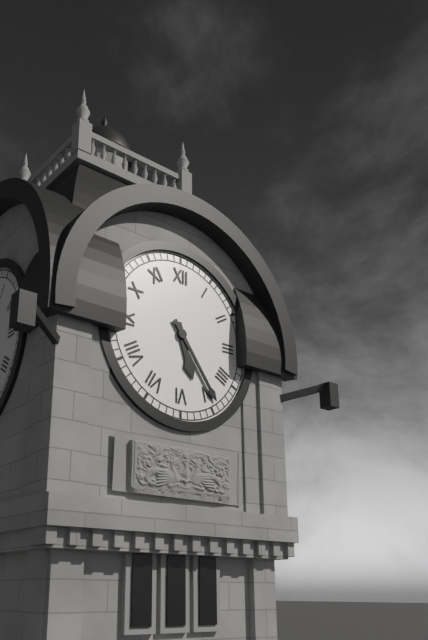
5:24
